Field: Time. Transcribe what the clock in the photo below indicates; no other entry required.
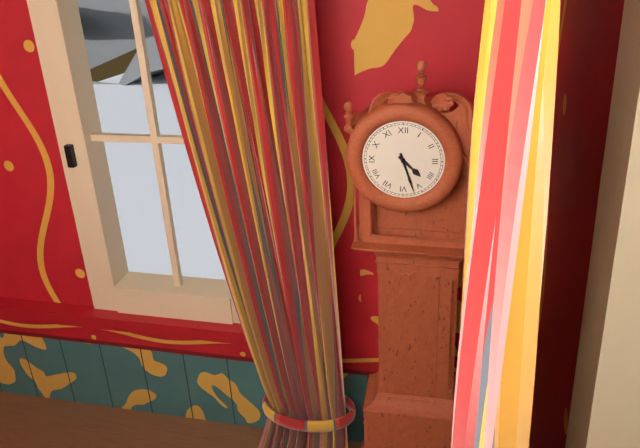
4:27
